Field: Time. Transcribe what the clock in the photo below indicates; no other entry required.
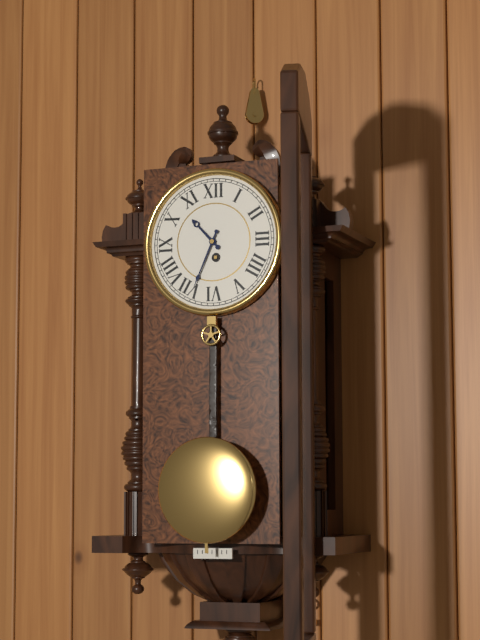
10:34
